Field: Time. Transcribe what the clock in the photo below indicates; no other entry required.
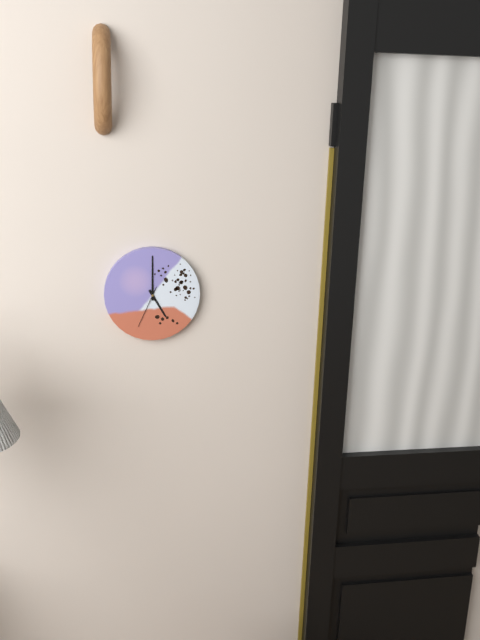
5:00
